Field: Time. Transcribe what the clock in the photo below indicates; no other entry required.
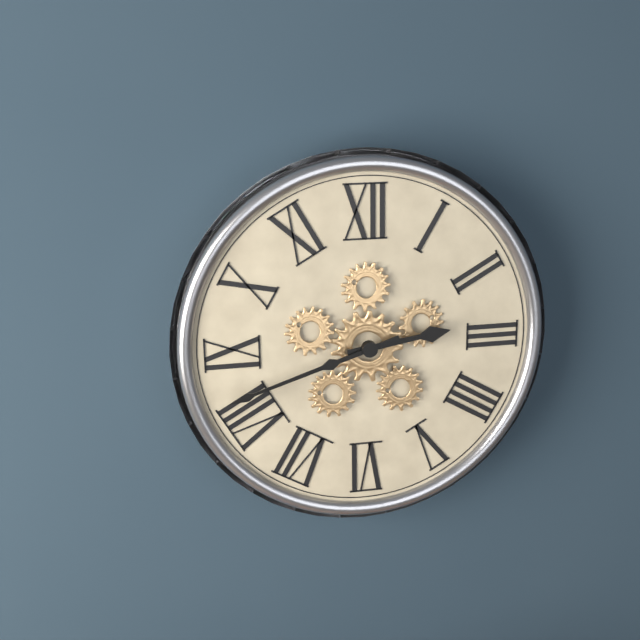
2:42
